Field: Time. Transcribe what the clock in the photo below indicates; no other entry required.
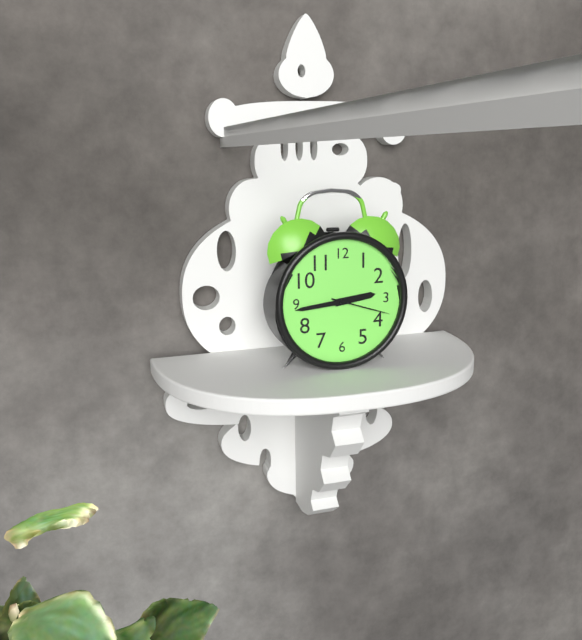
2:44:18
